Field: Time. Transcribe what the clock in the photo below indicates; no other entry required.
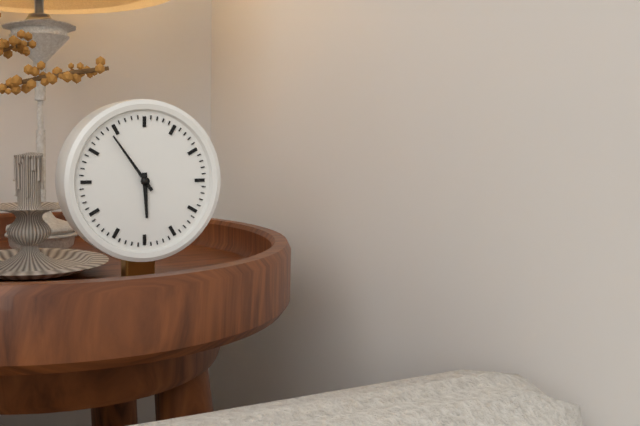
5:54
